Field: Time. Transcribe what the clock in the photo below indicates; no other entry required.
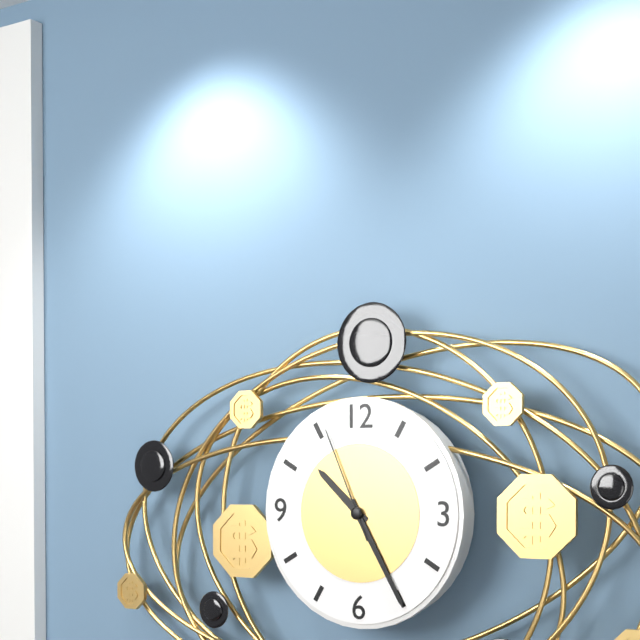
10:25:56
